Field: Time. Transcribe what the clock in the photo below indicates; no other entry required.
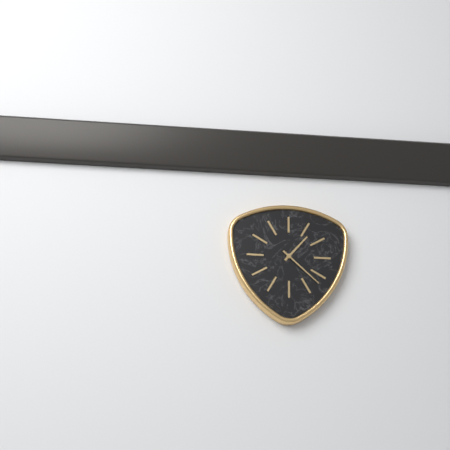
1:22
